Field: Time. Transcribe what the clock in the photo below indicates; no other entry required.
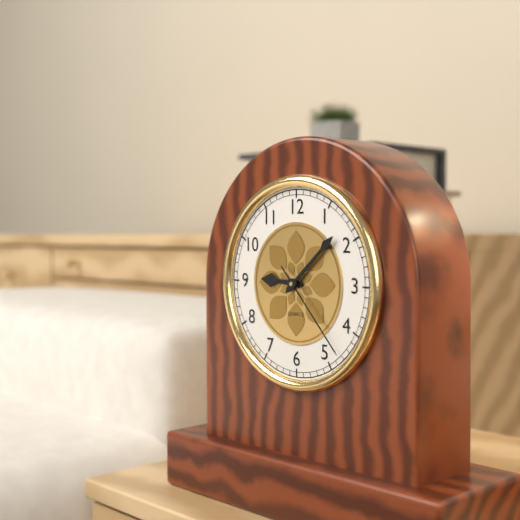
9:08:23
